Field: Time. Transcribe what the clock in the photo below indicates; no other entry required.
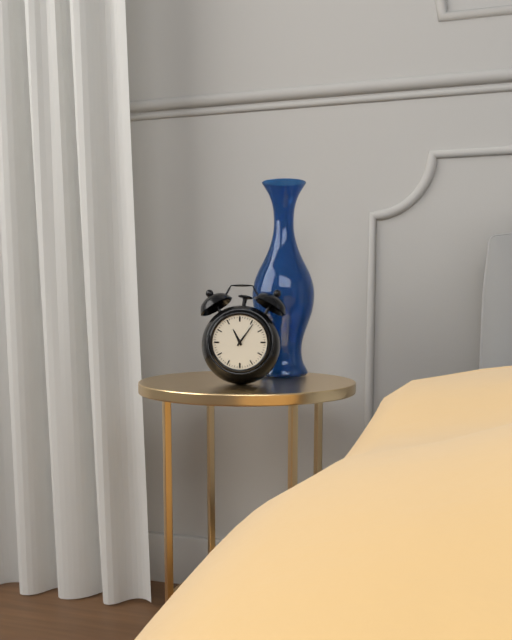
11:06
